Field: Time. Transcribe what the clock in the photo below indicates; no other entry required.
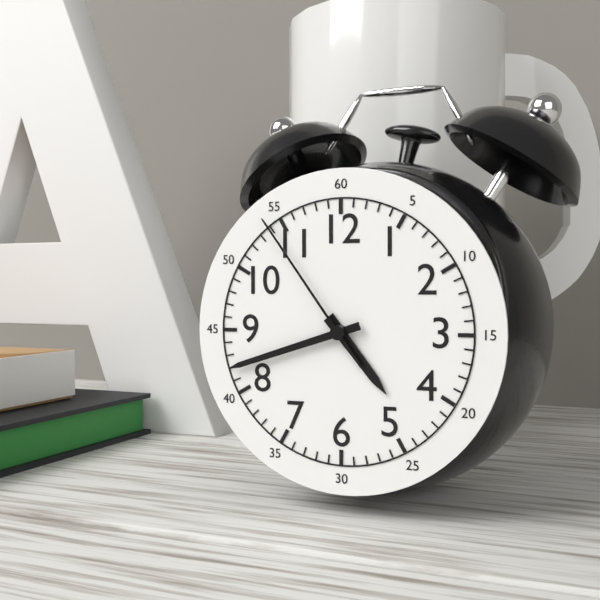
4:42:54
